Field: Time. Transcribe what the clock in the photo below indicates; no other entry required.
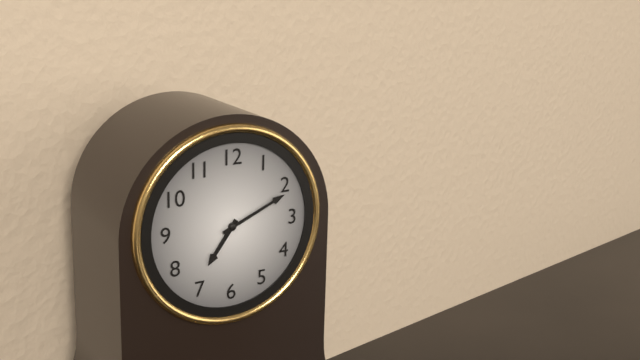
7:11
